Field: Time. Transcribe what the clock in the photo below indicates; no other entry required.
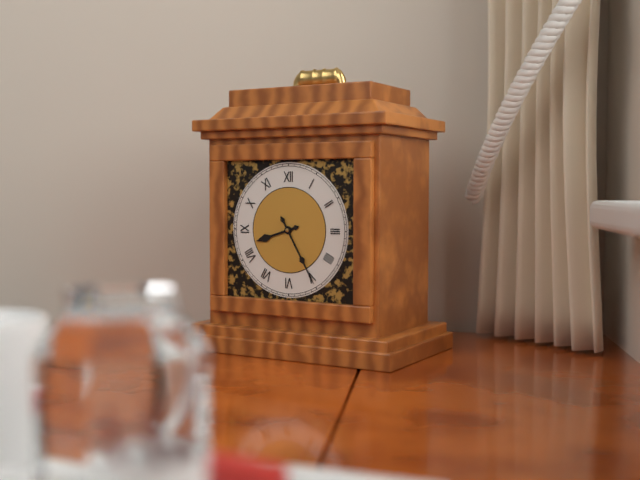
8:25
